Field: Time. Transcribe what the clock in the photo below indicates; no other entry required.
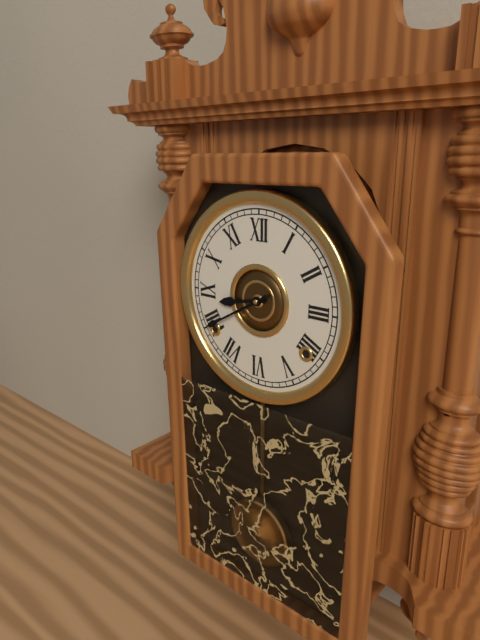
8:40
